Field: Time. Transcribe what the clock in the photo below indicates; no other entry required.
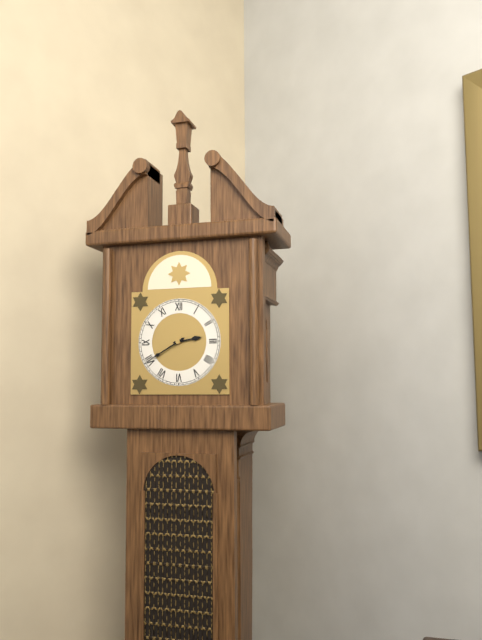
2:40
